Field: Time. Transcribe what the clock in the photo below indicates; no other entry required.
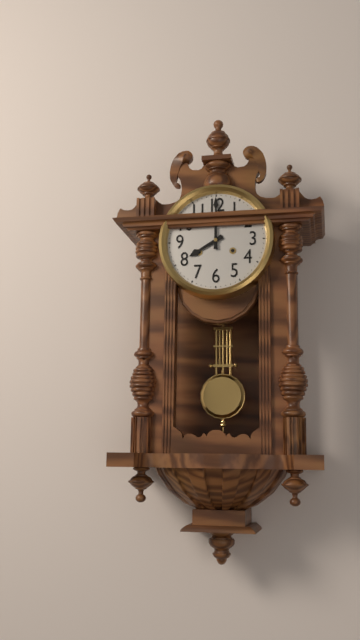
8:00
